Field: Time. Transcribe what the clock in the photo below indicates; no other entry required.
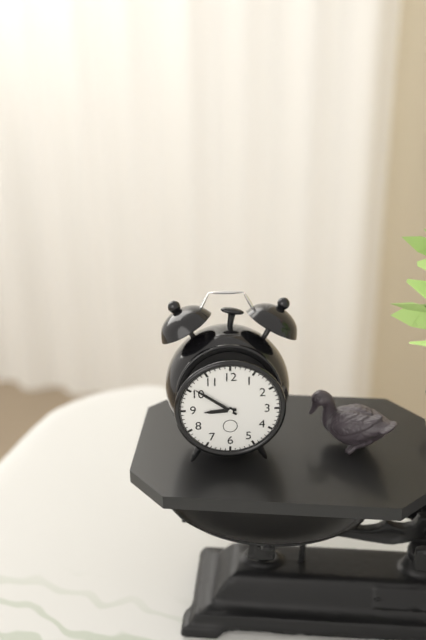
8:51
